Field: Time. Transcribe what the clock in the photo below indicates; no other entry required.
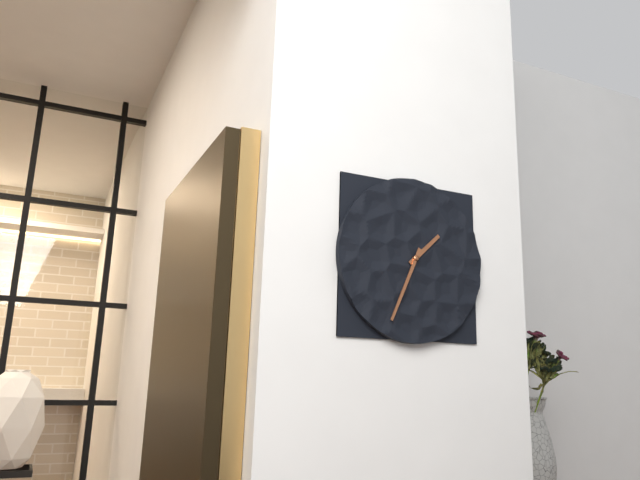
1:34
